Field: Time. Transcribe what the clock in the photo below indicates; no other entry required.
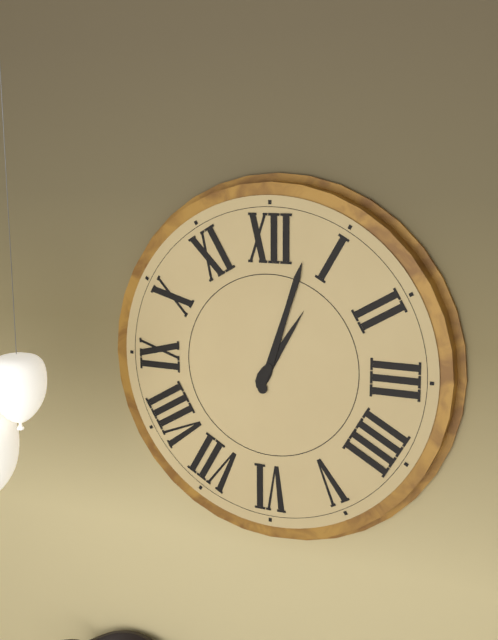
1:03
